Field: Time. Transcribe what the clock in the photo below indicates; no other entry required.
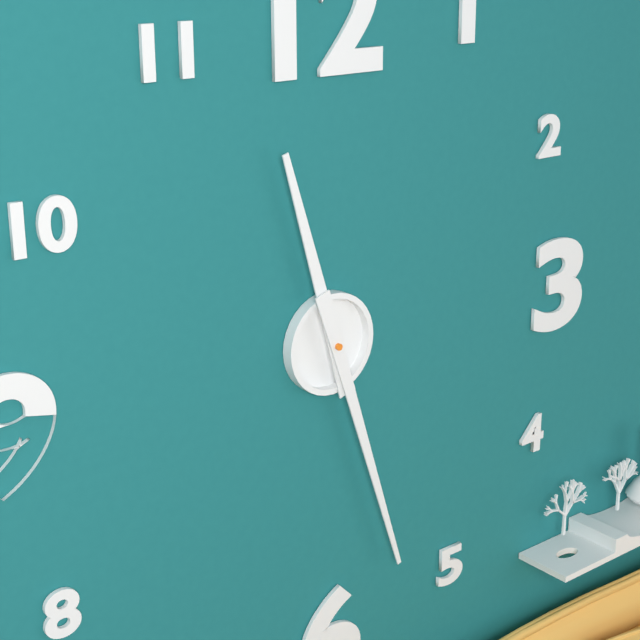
11:27
